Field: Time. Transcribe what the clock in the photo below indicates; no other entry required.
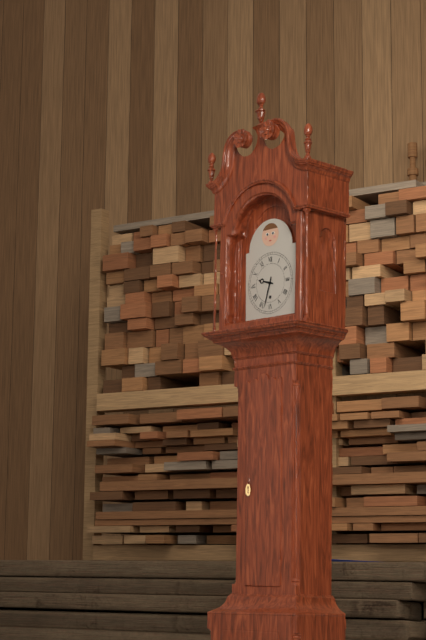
9:33
